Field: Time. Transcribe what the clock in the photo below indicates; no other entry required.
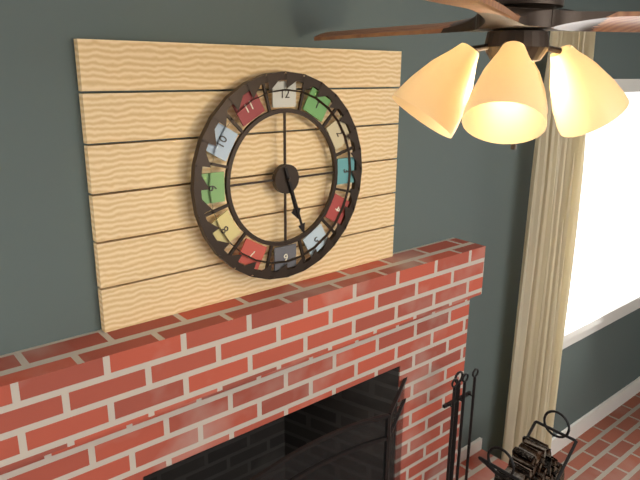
5:27
